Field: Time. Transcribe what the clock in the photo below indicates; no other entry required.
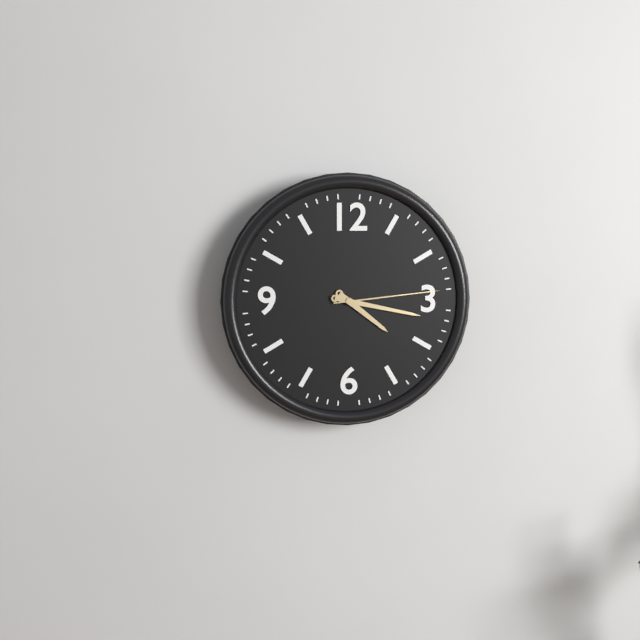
4:17:14
